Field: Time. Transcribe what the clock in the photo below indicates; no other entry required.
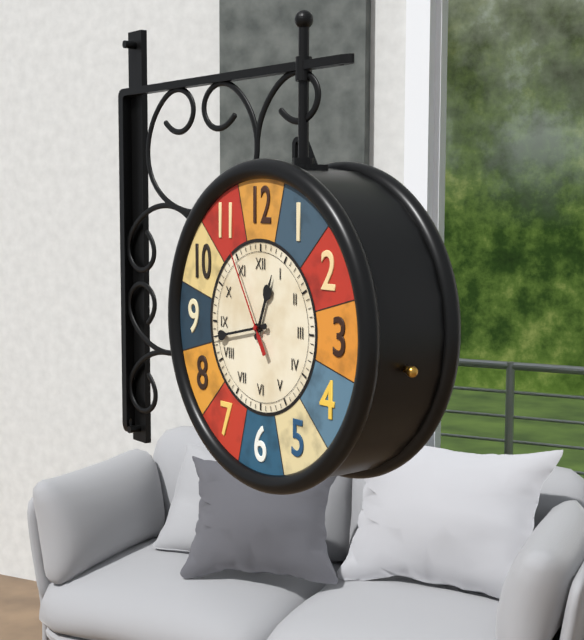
12:43:55
